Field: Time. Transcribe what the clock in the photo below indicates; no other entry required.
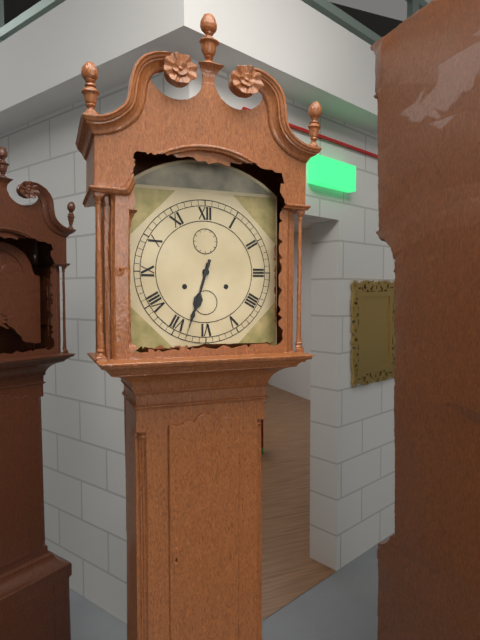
6:33
